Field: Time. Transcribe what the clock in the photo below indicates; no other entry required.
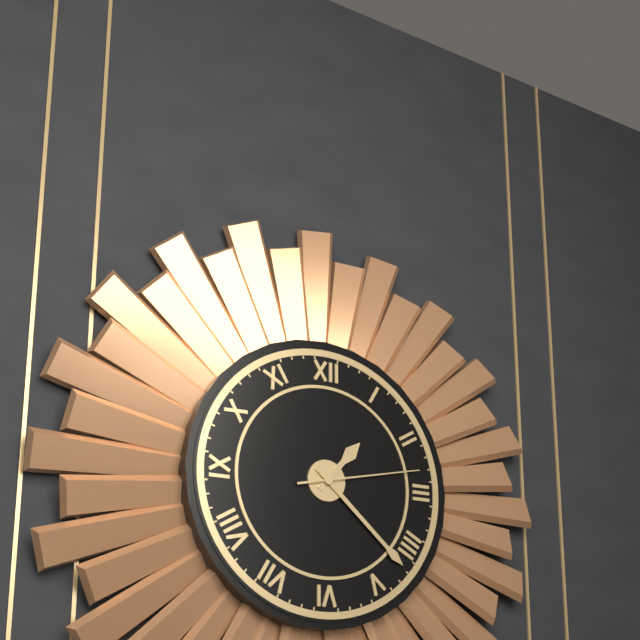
1:22:13
